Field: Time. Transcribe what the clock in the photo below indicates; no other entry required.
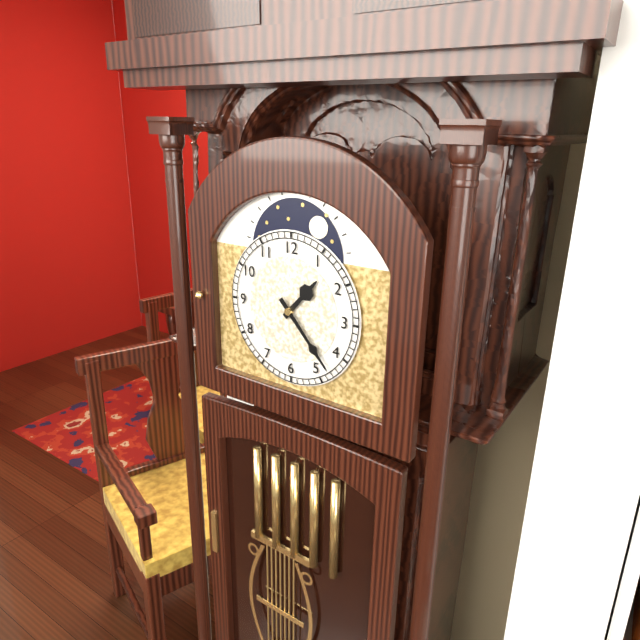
1:23
